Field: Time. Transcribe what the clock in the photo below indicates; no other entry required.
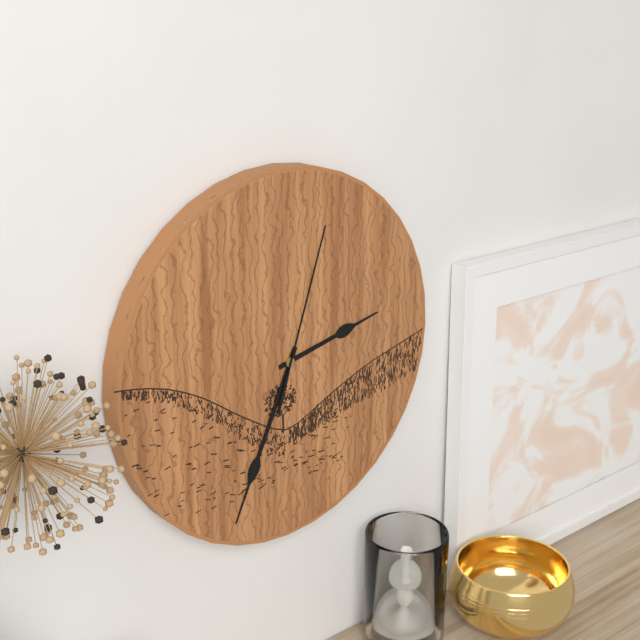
2:34:03
